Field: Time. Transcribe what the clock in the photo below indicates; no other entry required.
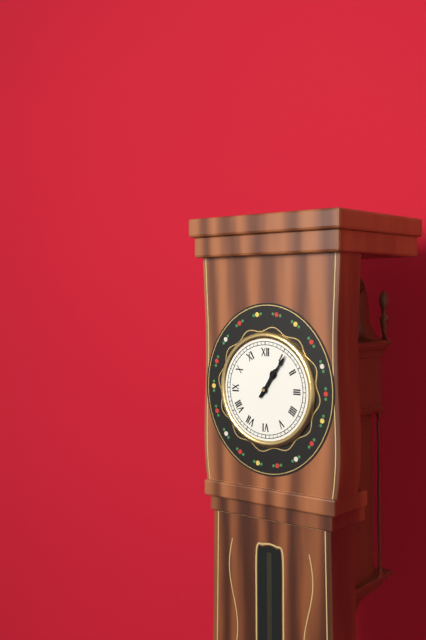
1:06
